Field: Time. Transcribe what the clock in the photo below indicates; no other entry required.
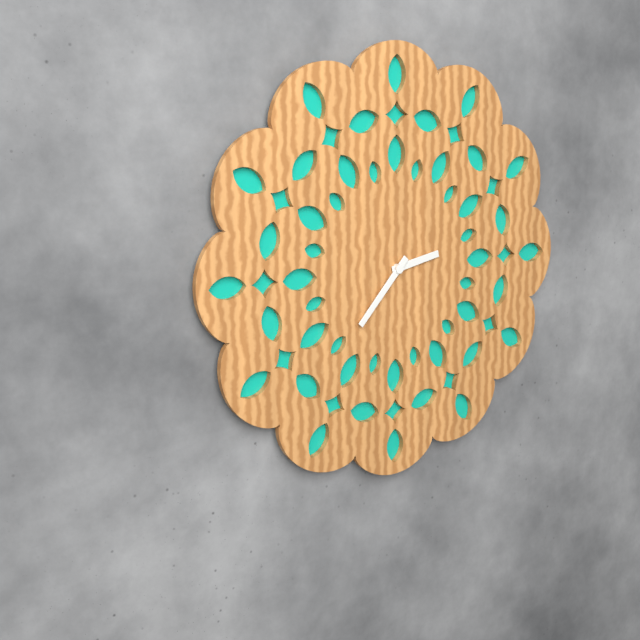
2:37
